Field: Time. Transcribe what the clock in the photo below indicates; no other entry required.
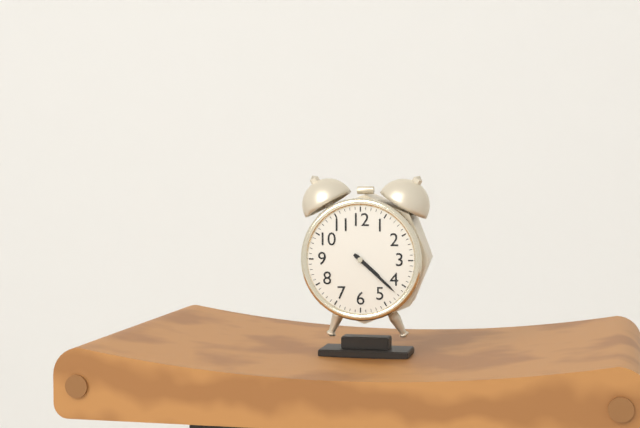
4:22
